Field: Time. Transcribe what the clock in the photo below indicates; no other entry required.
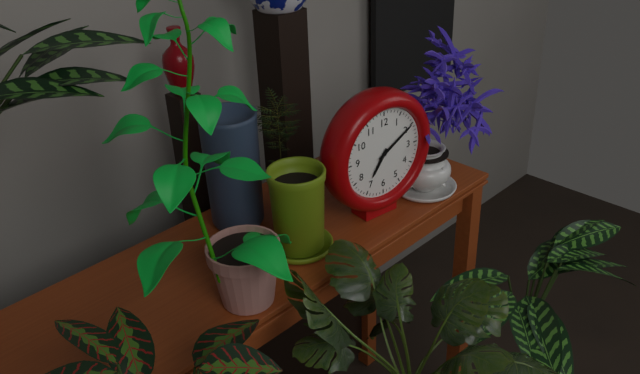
7:10
